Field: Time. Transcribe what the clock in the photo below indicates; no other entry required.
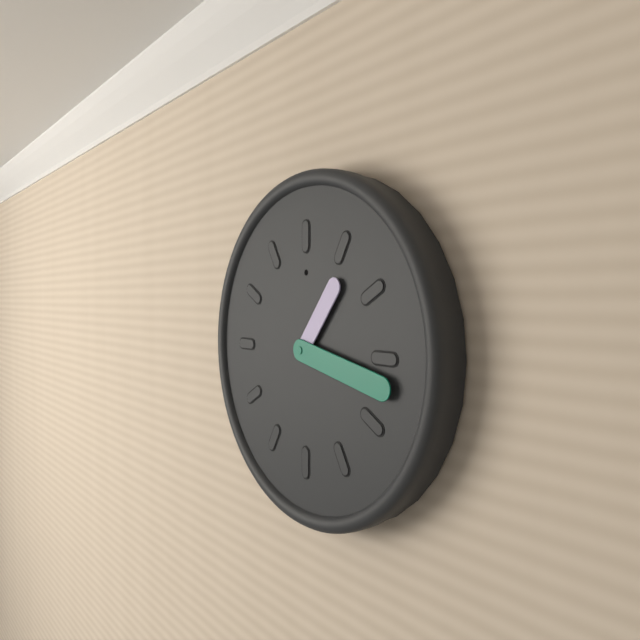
1:17
